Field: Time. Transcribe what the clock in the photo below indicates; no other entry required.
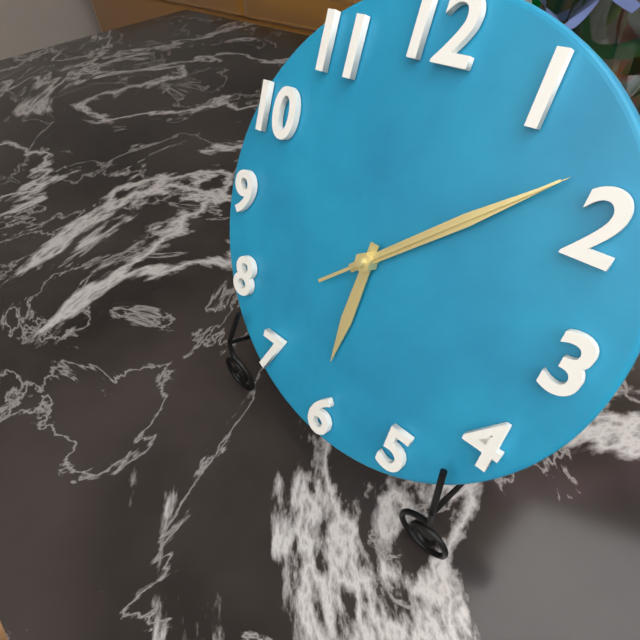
6:08:08
